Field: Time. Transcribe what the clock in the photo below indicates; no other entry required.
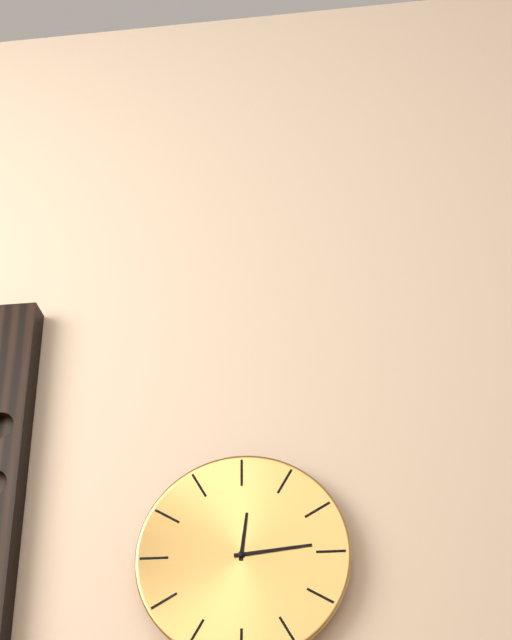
12:14
